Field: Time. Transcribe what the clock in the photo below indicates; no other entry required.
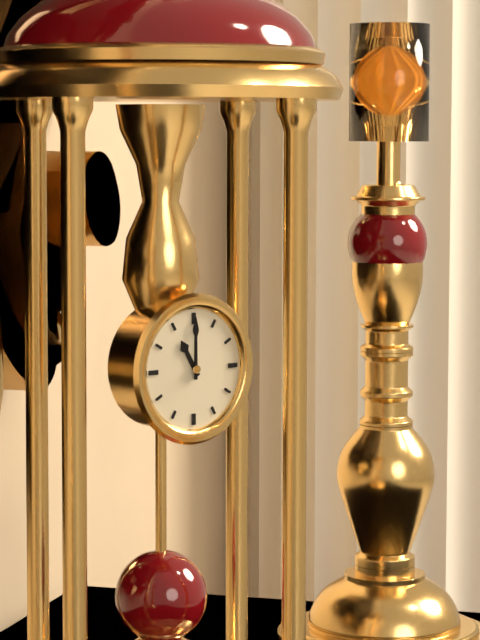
11:00
